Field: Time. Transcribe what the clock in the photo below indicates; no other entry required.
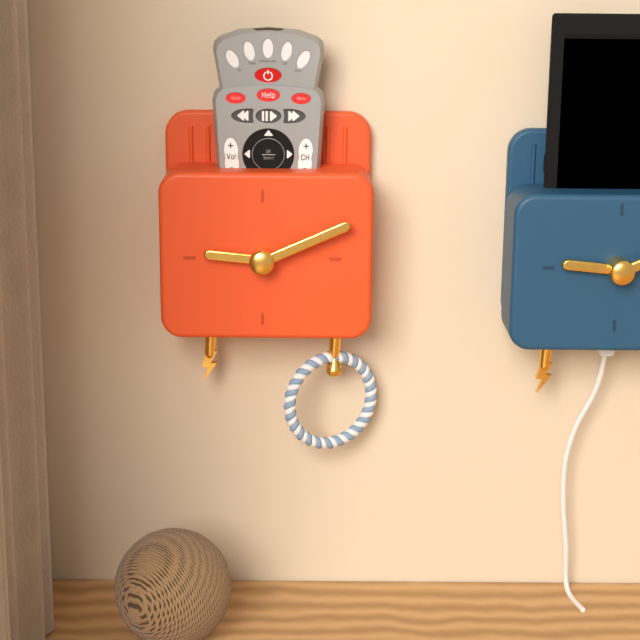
9:11
